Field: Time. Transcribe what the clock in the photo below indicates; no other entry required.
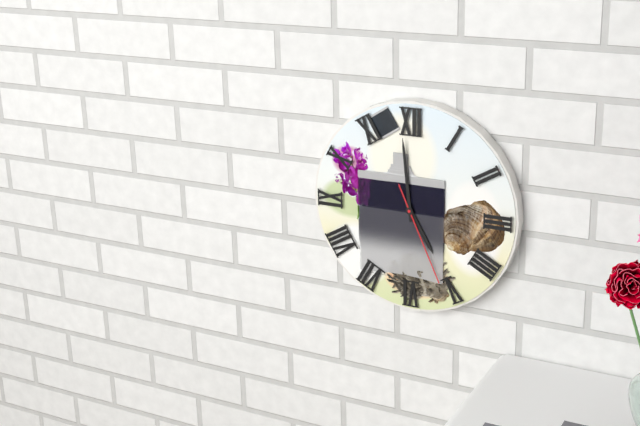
4:59:26
